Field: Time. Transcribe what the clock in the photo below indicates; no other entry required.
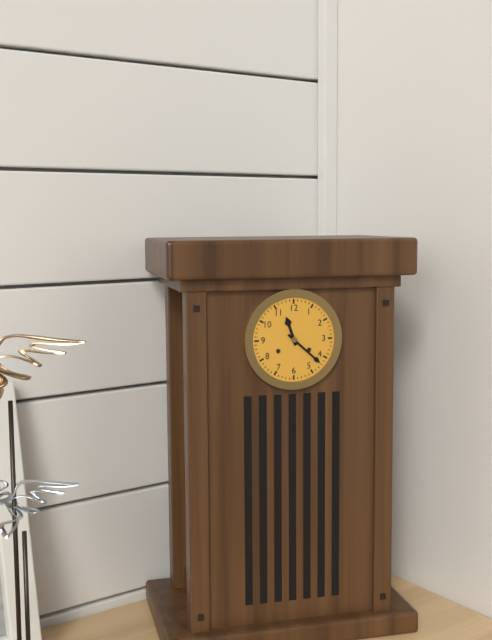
11:22
